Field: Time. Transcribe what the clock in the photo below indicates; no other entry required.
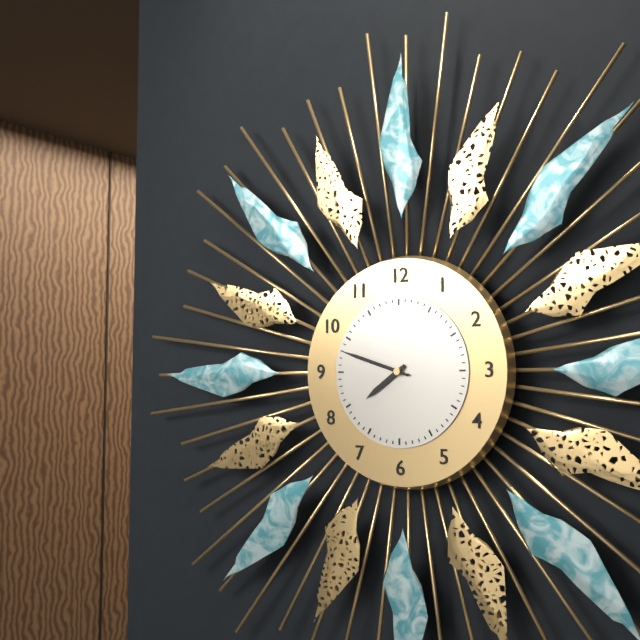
7:48
